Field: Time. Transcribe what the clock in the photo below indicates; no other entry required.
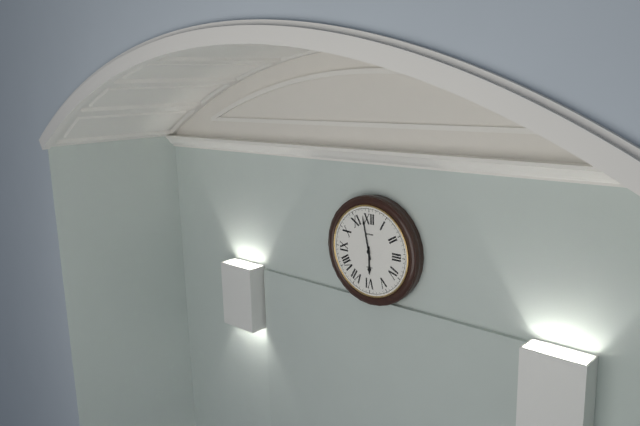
5:58
